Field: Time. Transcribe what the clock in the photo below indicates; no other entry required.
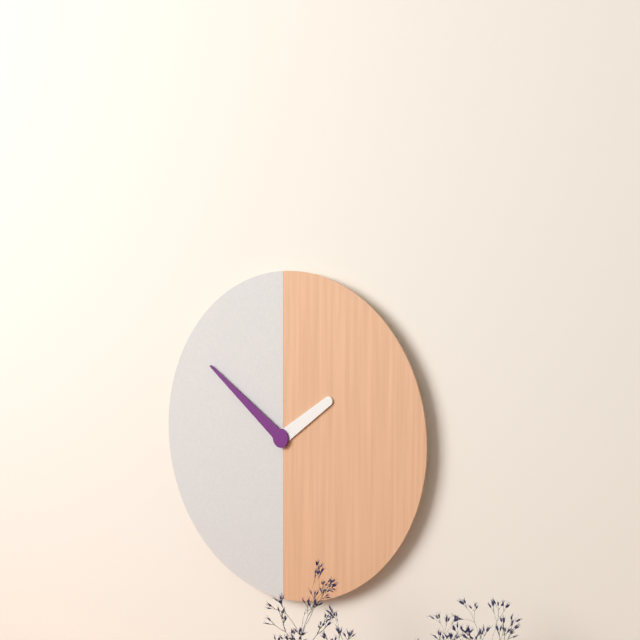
1:51
